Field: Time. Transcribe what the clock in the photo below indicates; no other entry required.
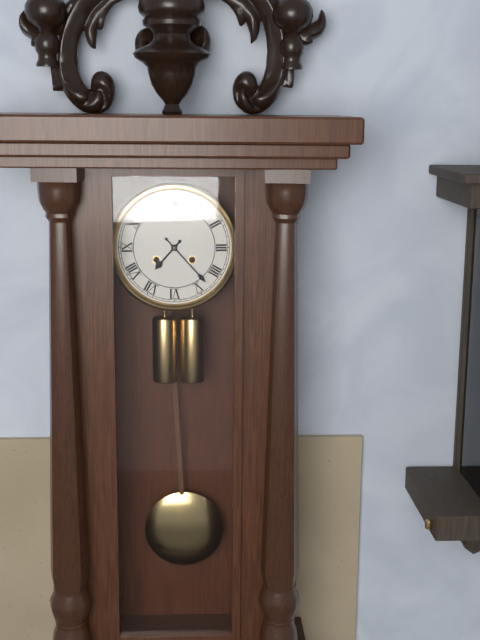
7:23
